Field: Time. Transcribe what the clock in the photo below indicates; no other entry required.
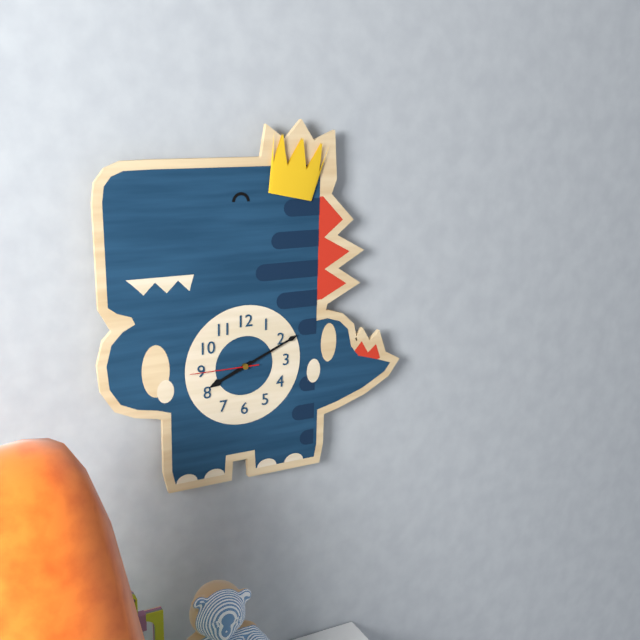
8:11:45
